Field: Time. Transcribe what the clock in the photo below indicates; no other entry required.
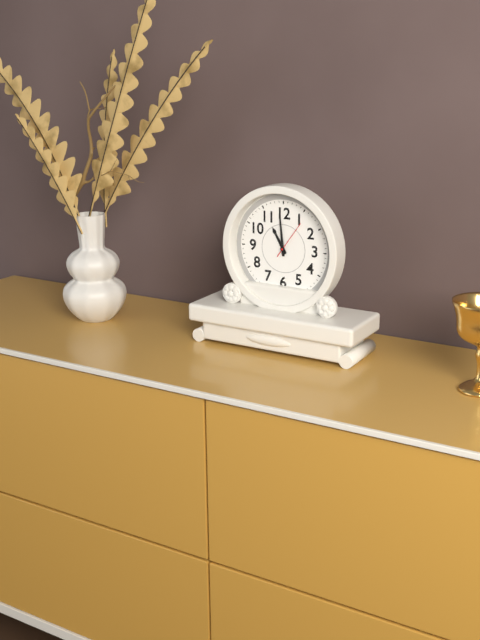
10:59
